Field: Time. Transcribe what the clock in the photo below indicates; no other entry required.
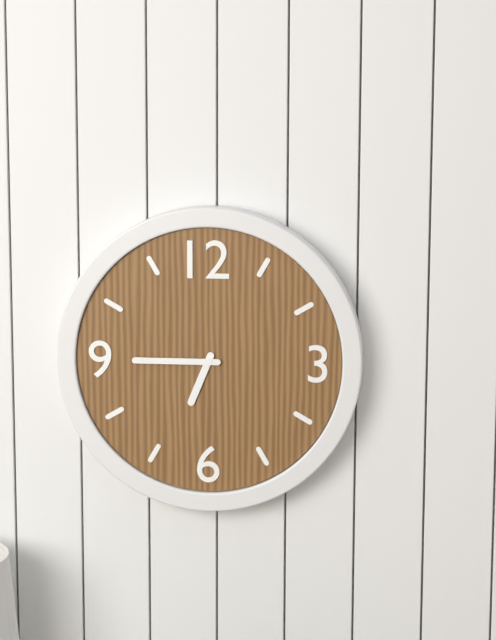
6:45
